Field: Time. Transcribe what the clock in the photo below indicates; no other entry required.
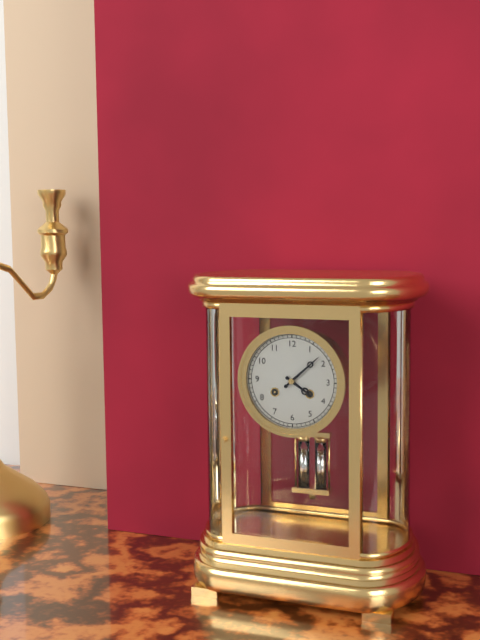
4:08
